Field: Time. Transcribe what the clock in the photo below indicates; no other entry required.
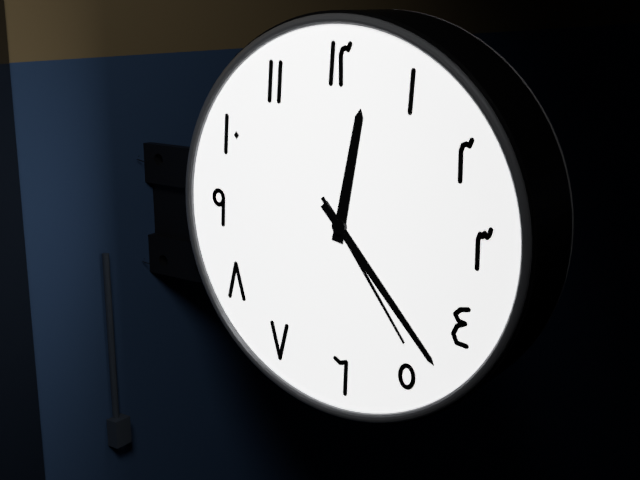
12:23:24
